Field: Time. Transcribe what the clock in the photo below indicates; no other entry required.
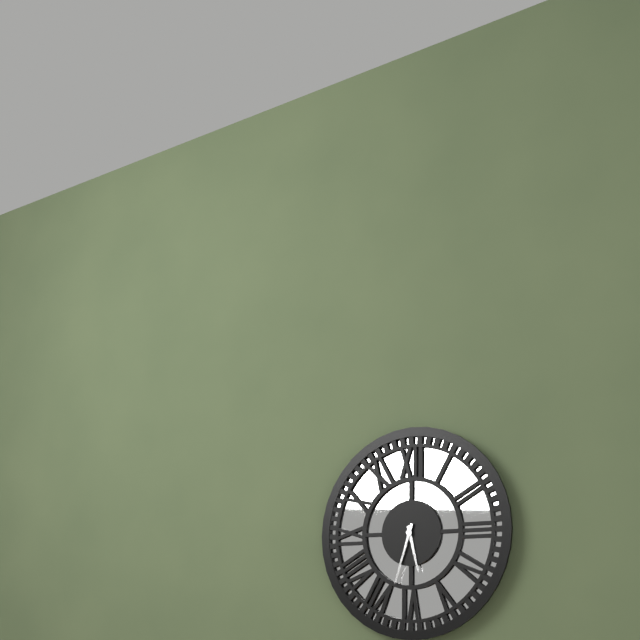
5:33
